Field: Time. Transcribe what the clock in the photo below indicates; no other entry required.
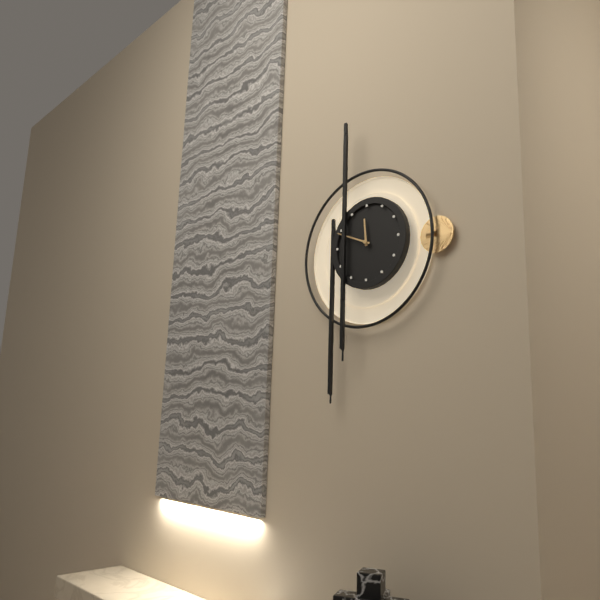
11:49
